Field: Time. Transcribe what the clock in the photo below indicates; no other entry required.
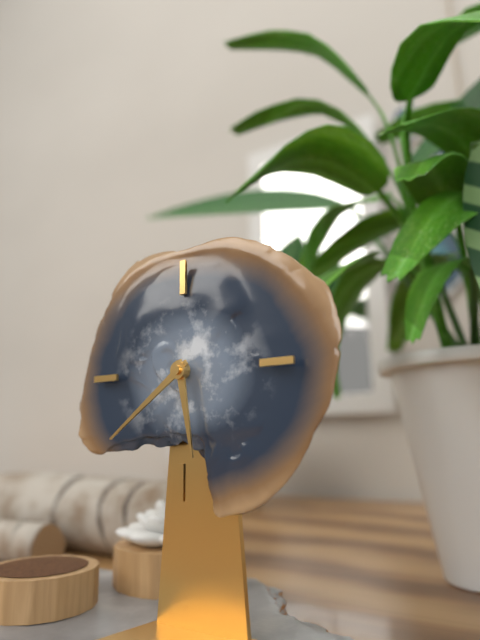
5:39
